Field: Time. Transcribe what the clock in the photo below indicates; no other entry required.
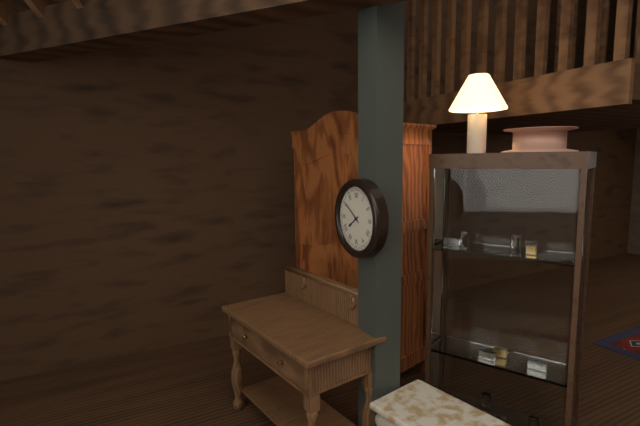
7:51
